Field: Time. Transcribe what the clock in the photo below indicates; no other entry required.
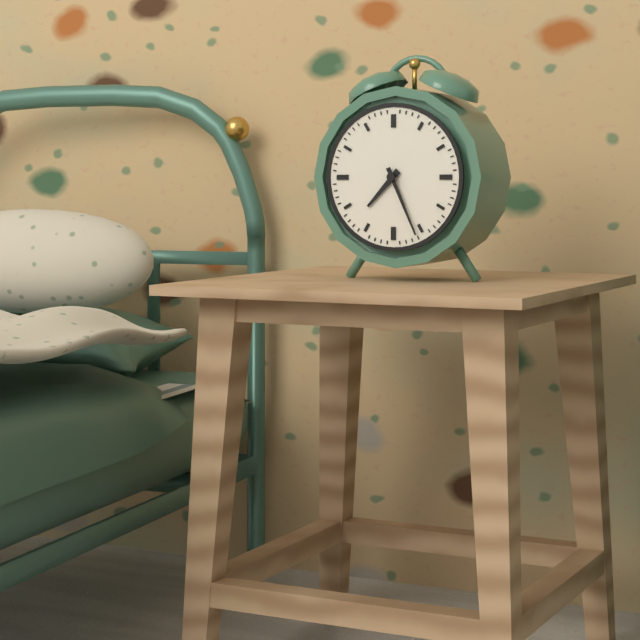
7:26
